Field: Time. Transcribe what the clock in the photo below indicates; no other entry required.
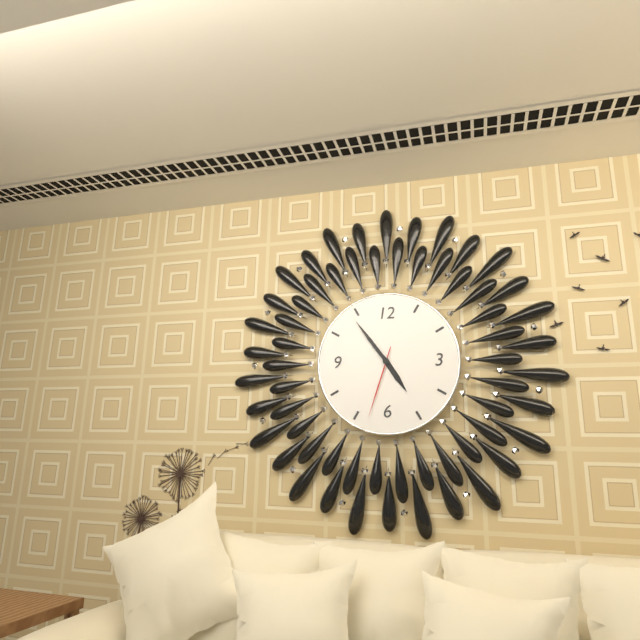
4:54:33
